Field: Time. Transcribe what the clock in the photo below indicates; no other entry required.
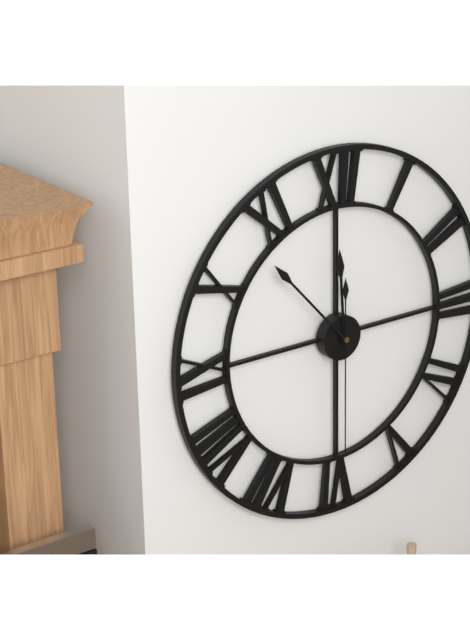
11:53:30
